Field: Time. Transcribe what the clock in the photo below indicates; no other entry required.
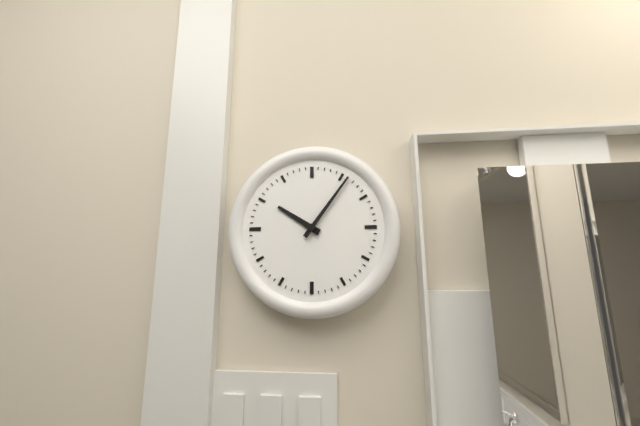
10:06
